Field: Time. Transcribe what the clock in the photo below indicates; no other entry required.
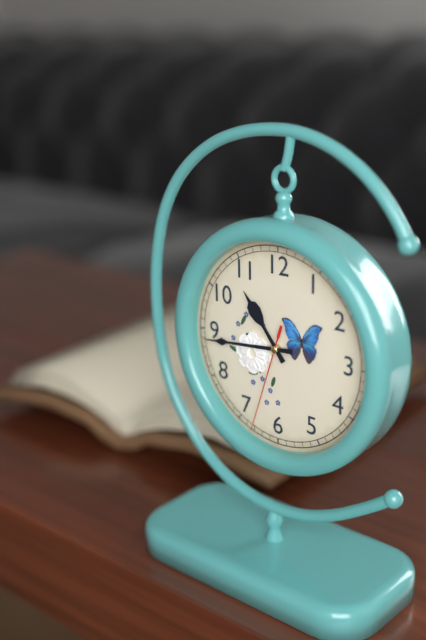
10:44:33
